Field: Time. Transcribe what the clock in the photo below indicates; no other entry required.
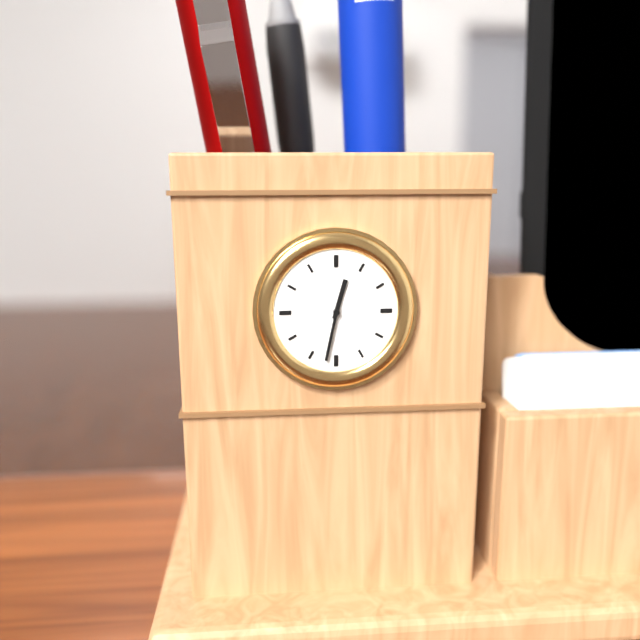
12:32
